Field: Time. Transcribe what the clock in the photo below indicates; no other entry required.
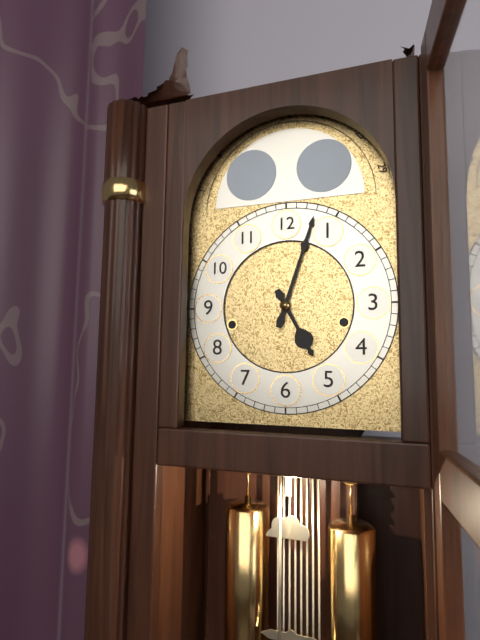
5:03
